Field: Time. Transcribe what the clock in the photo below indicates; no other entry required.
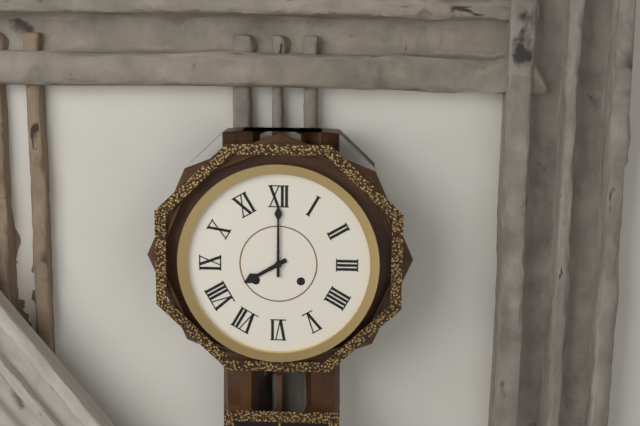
8:00
